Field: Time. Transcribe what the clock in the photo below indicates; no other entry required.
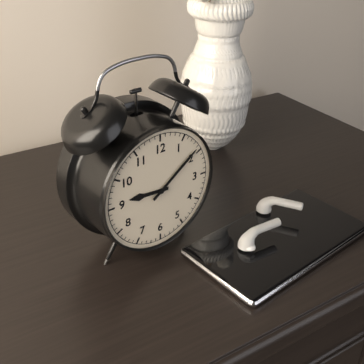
9:09
